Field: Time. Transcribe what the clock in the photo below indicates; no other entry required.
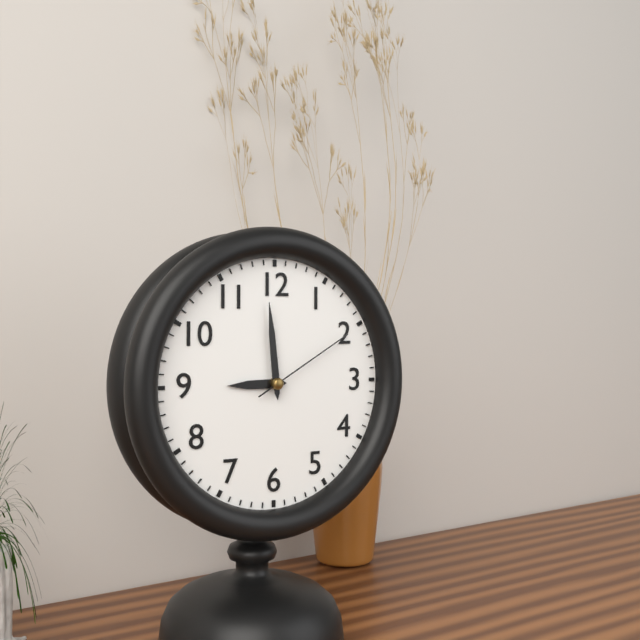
8:59:10
